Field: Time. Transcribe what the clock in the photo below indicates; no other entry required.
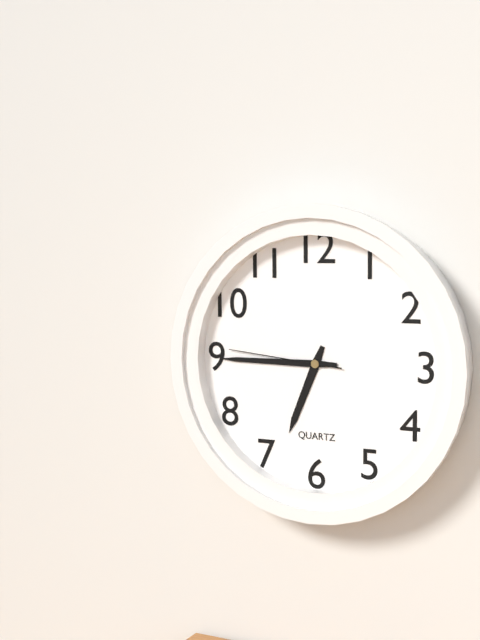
6:45:46
